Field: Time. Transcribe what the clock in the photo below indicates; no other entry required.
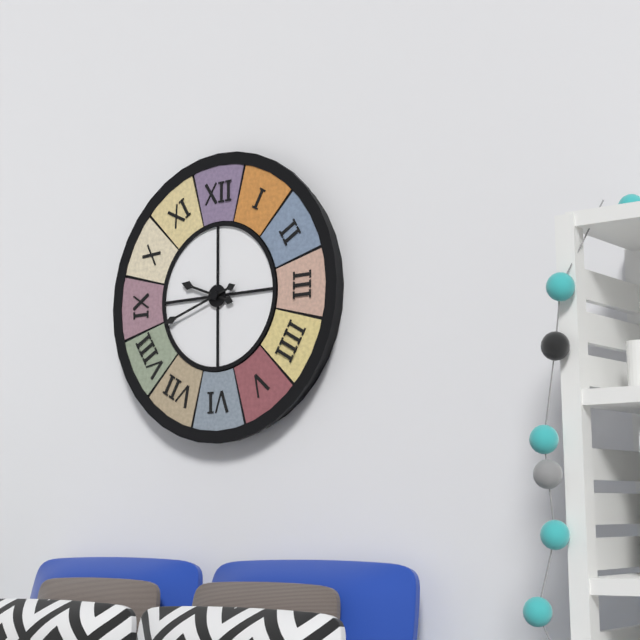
9:42
